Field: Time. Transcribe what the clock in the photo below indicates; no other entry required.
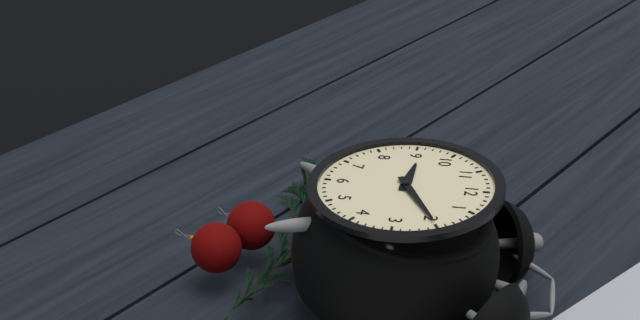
9:10
